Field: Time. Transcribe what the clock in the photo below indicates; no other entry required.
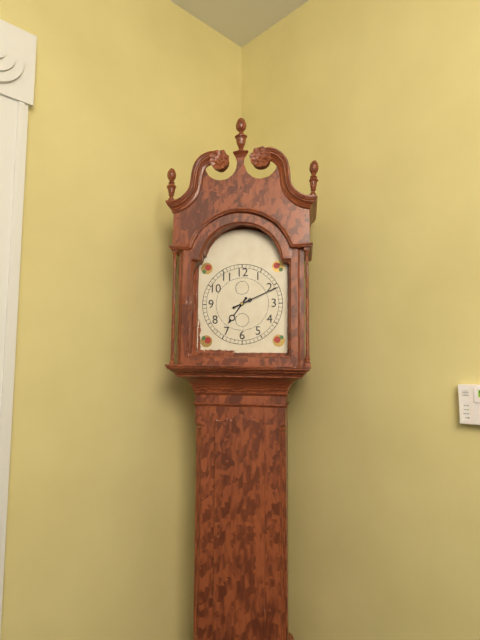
7:11
